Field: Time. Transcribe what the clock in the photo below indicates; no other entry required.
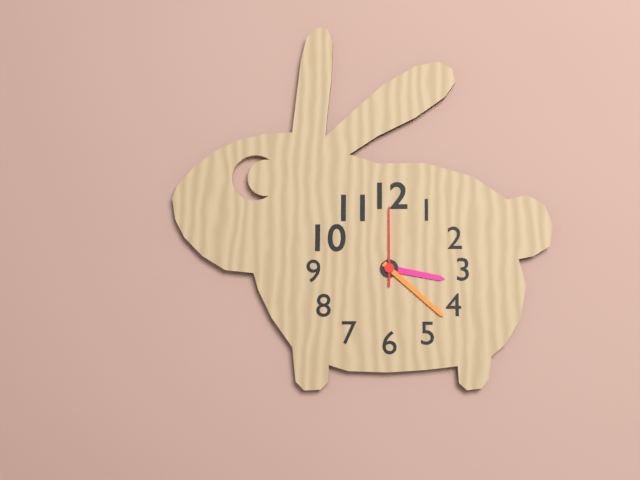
3:22:00
